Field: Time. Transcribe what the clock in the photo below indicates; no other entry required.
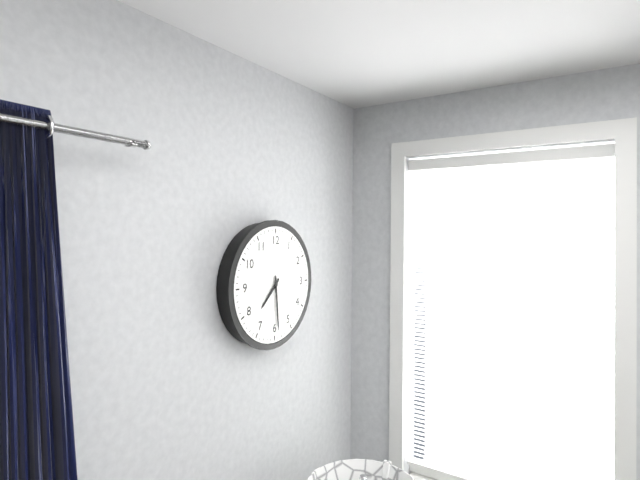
7:29
